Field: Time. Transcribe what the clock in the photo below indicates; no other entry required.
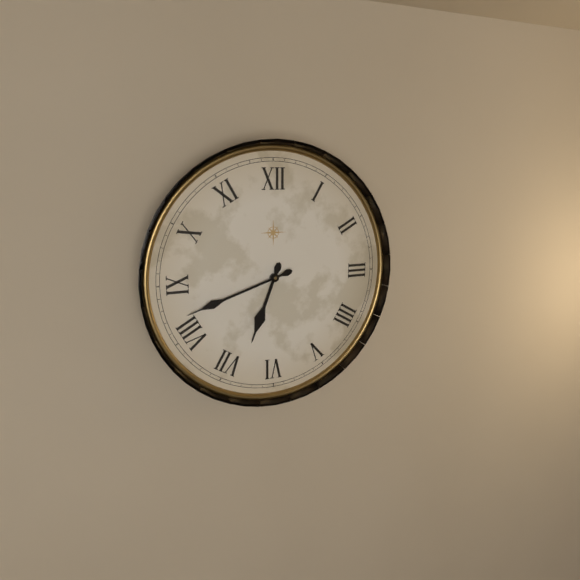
6:42
